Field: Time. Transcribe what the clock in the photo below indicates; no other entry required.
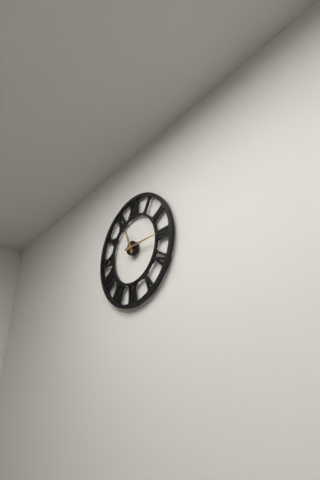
11:15
